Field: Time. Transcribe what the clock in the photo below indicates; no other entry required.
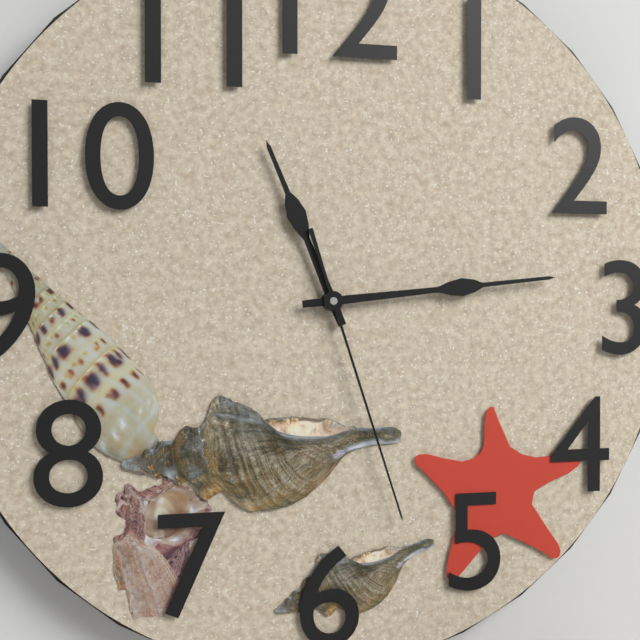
11:14:27
